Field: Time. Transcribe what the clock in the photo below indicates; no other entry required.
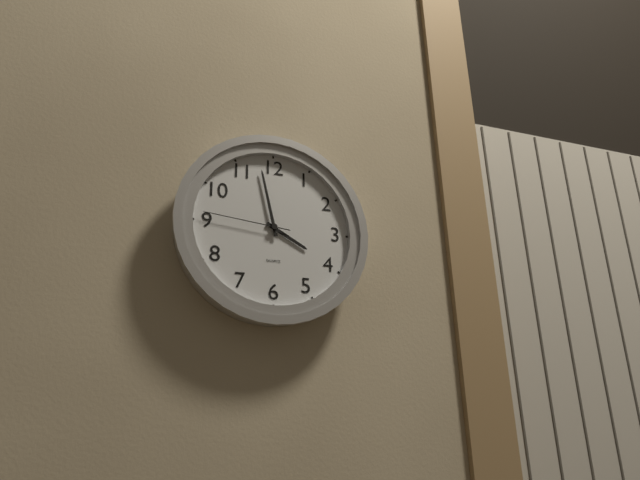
3:58:46
